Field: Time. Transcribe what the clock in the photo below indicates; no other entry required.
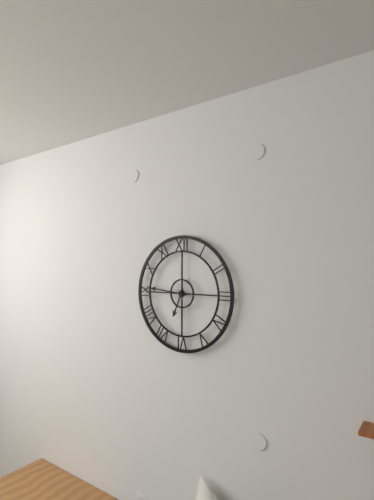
6:46
